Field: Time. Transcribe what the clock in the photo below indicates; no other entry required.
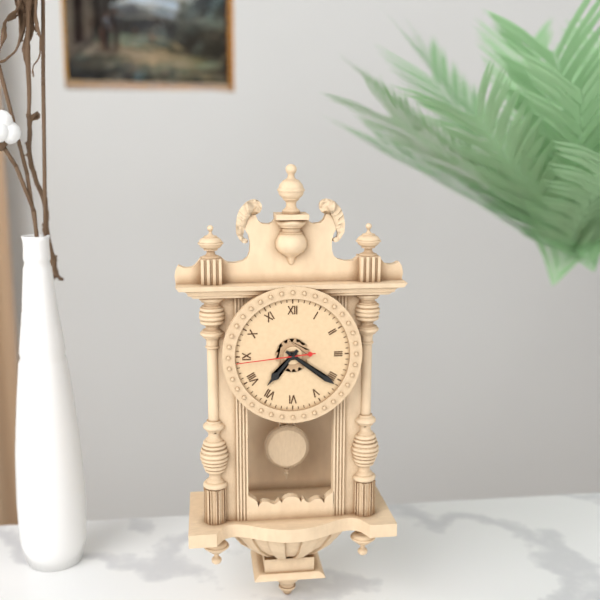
7:21:44
